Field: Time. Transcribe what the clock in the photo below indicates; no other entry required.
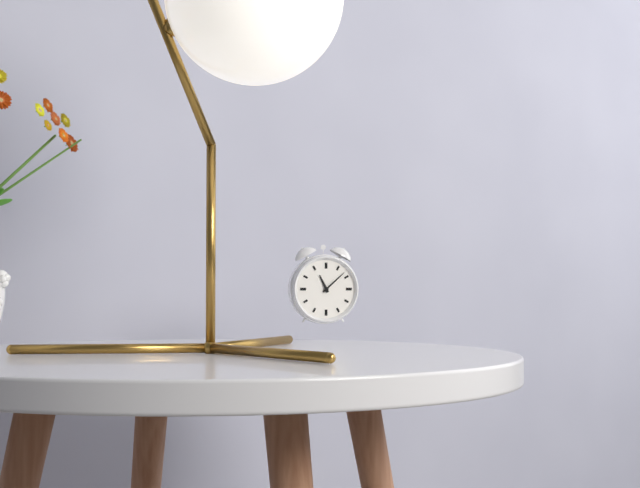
11:08
